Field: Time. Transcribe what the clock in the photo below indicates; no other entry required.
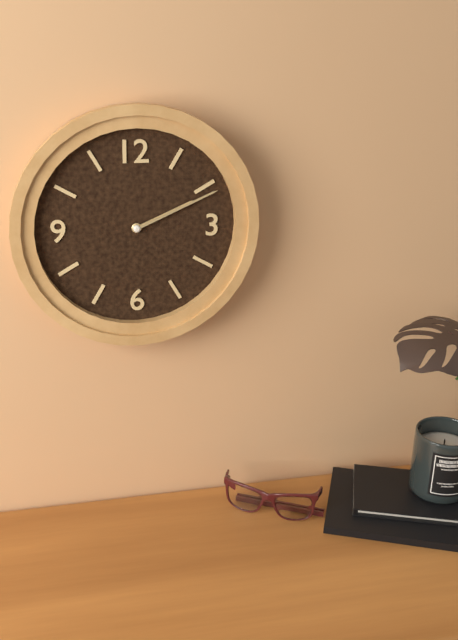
2:11
